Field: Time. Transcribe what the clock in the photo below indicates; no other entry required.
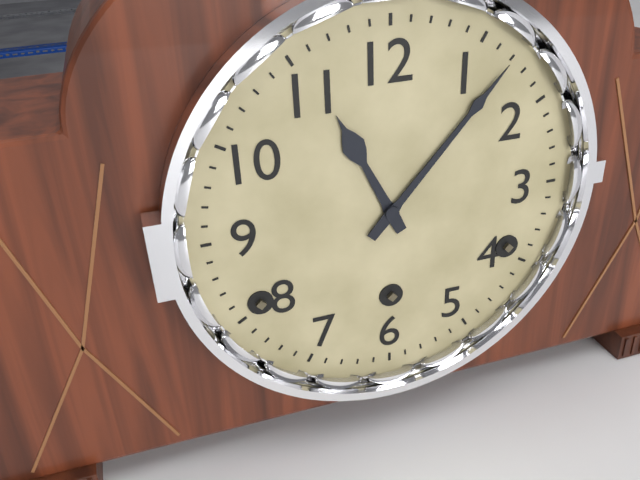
11:07
